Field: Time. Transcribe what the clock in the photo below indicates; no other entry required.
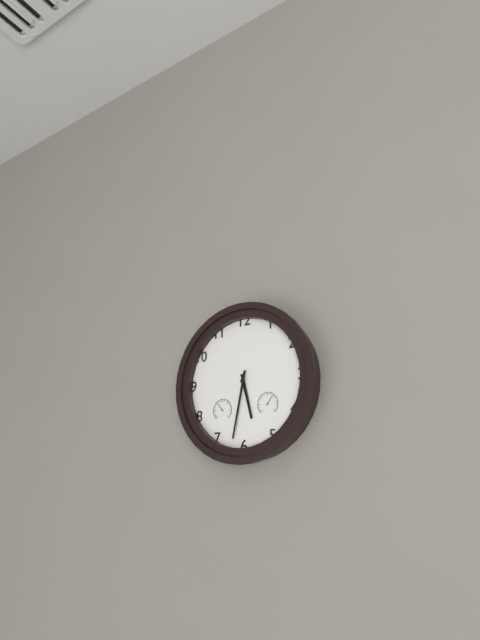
5:32
